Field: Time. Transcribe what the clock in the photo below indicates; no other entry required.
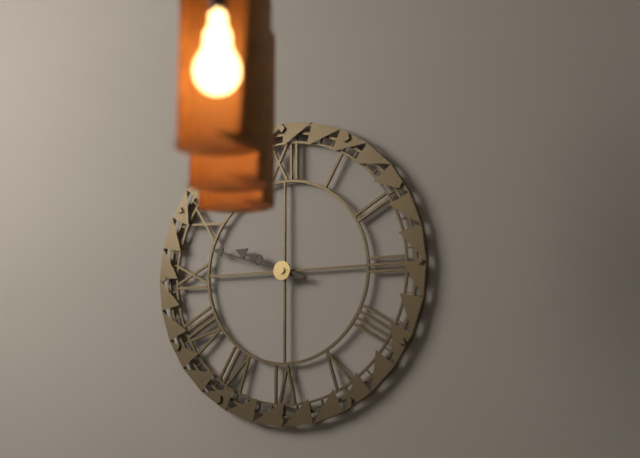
9:48
